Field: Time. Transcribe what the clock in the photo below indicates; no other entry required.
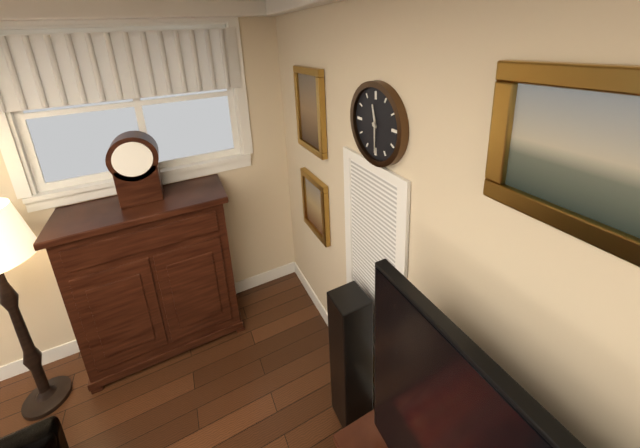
11:30
